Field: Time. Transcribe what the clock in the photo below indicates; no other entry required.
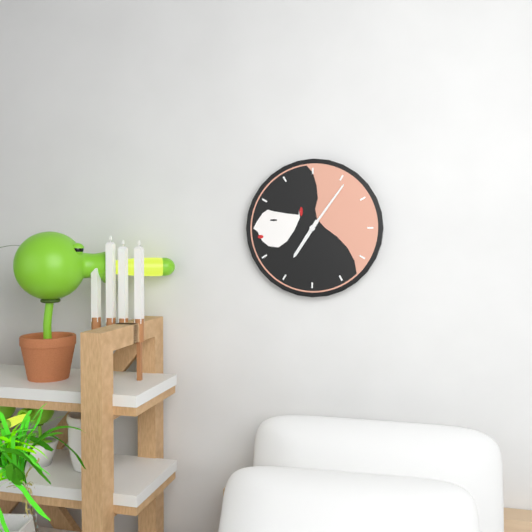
7:06
